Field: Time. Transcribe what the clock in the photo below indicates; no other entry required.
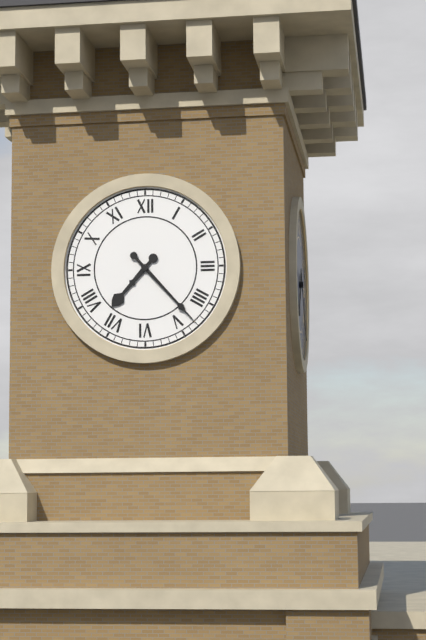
7:23
